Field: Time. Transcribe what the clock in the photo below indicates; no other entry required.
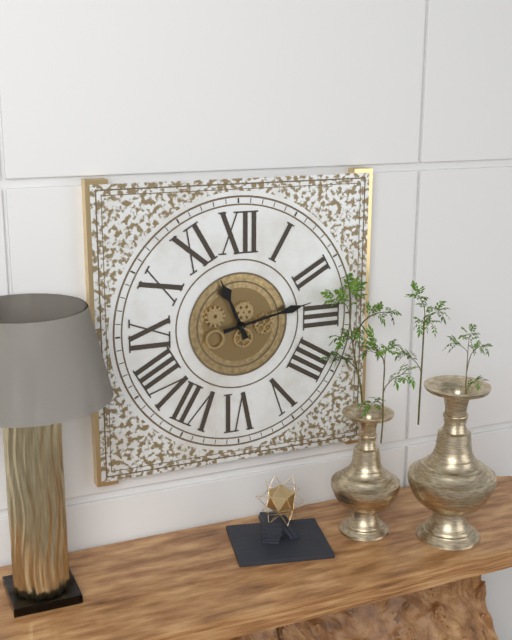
11:13
